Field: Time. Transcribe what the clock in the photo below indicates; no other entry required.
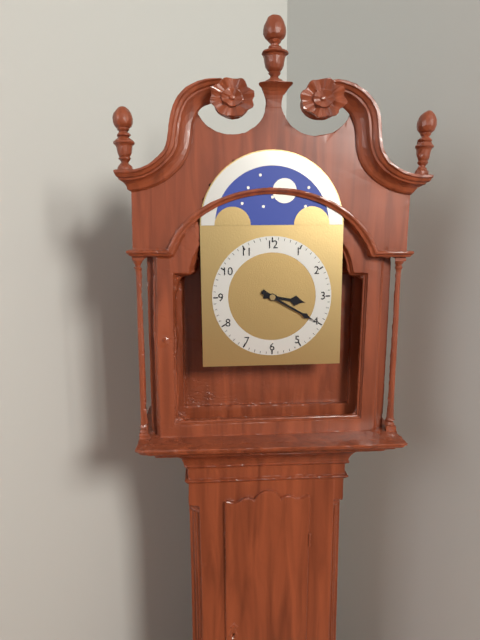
3:20
